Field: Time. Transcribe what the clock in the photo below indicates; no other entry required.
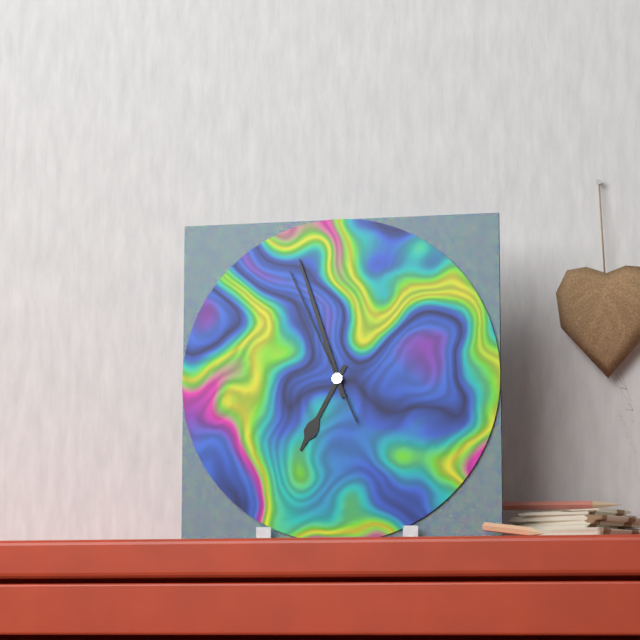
6:57:56
